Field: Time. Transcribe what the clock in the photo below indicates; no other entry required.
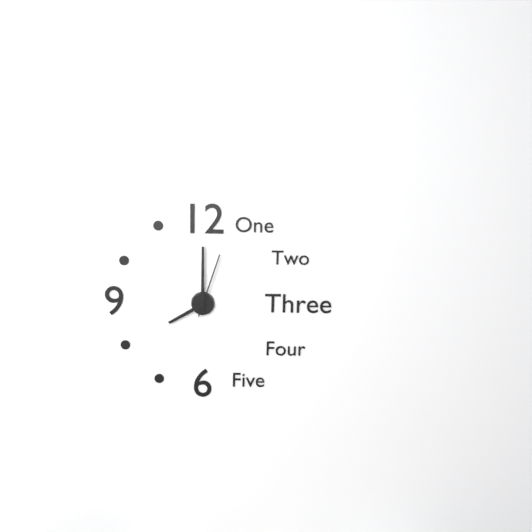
8:00:03
